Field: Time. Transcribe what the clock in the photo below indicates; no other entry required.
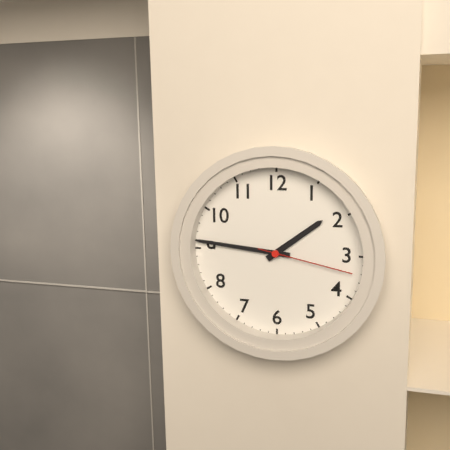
1:46:17
